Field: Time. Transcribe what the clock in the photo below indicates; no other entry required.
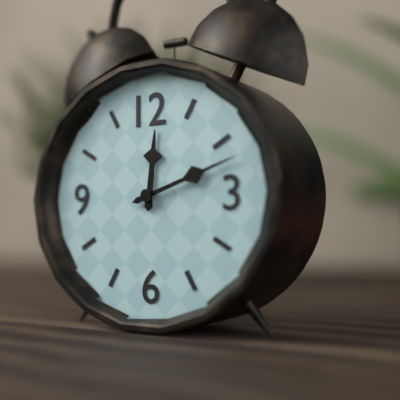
12:12
